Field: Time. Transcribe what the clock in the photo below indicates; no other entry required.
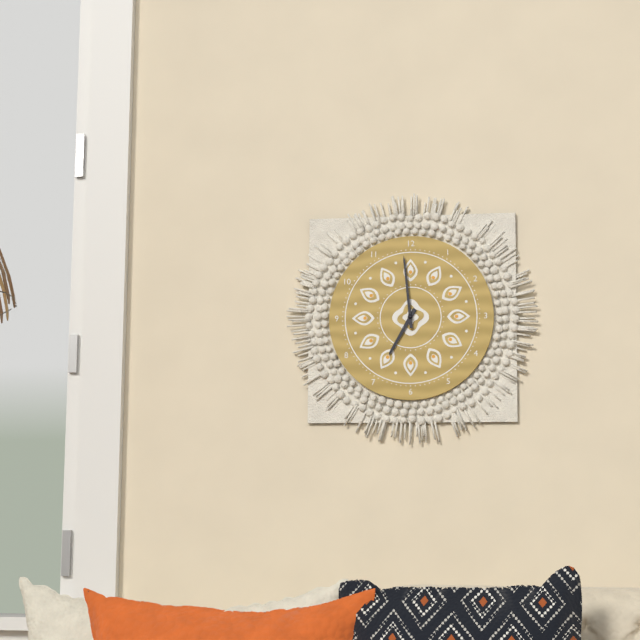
6:59
